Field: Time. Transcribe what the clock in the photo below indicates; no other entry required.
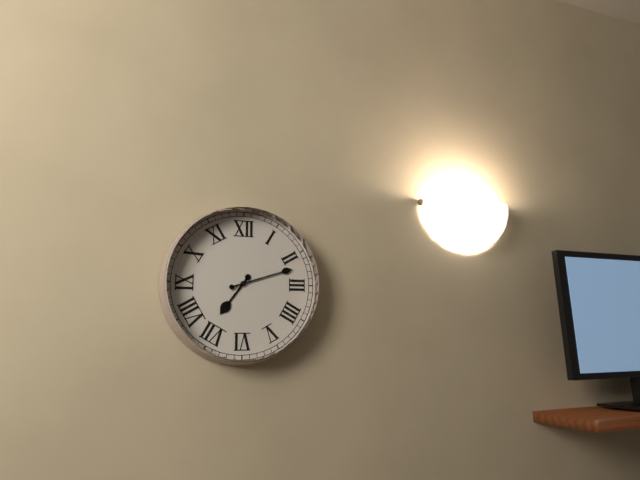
7:12
